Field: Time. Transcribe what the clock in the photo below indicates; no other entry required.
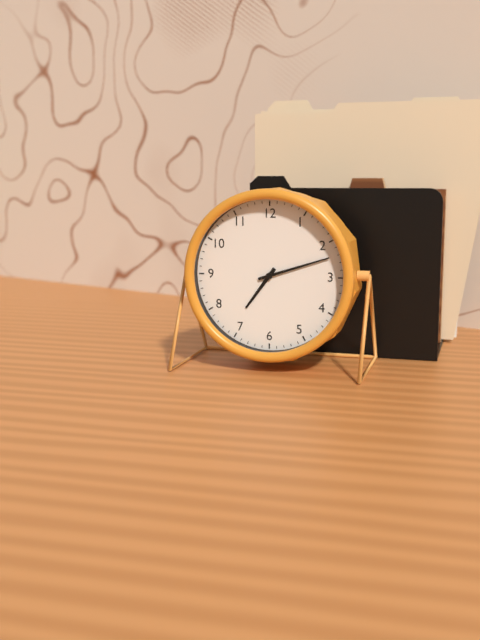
7:12
